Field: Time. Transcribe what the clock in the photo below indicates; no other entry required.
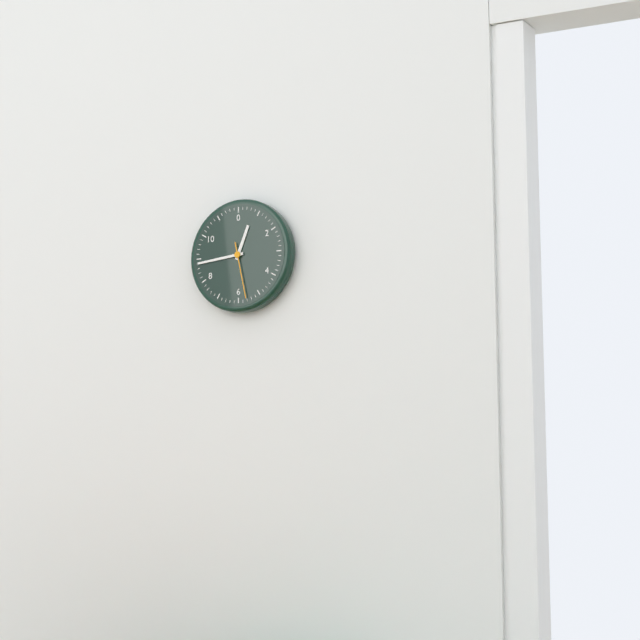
12:44:28
